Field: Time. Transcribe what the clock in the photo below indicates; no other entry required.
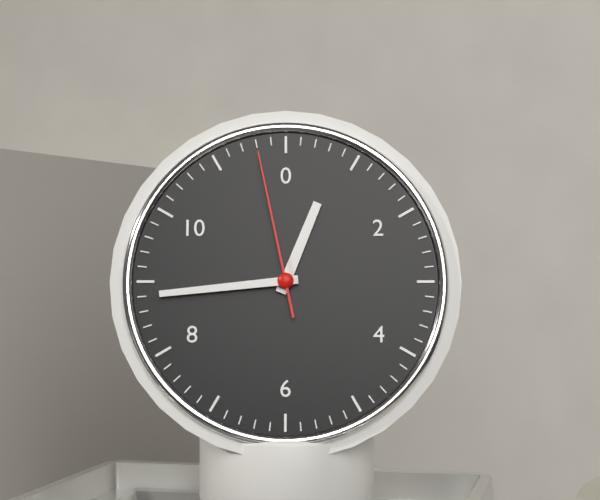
12:44:58
